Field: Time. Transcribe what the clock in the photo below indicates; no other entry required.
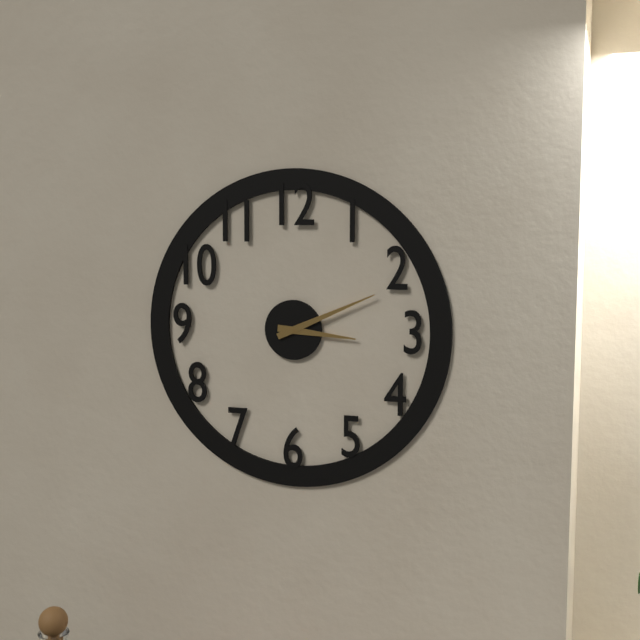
3:11
